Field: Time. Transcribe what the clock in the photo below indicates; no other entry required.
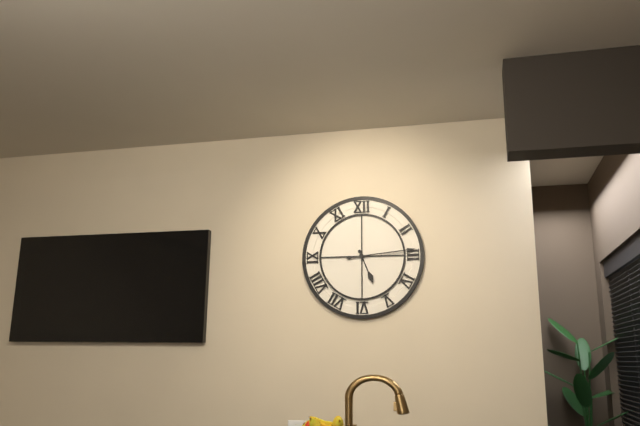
5:14
